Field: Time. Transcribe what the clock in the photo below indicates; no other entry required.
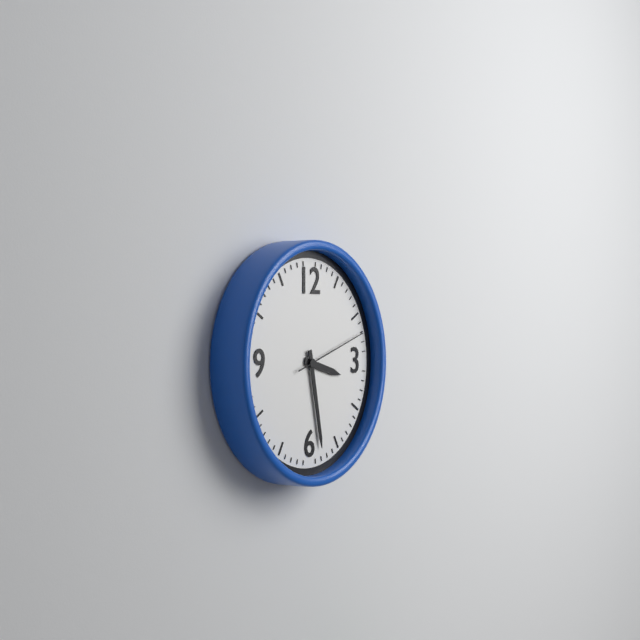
3:28:12
